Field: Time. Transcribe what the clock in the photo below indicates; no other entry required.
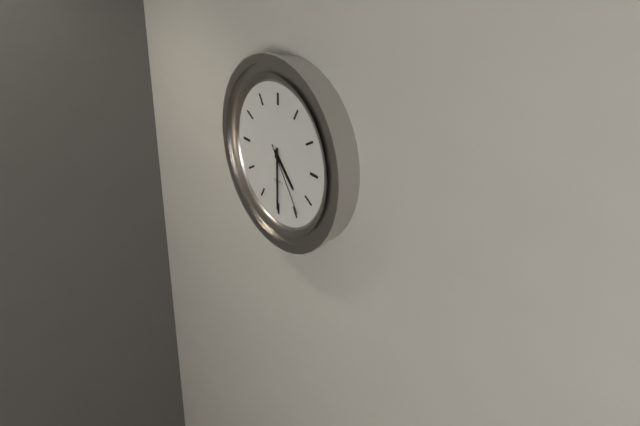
4:30:24
